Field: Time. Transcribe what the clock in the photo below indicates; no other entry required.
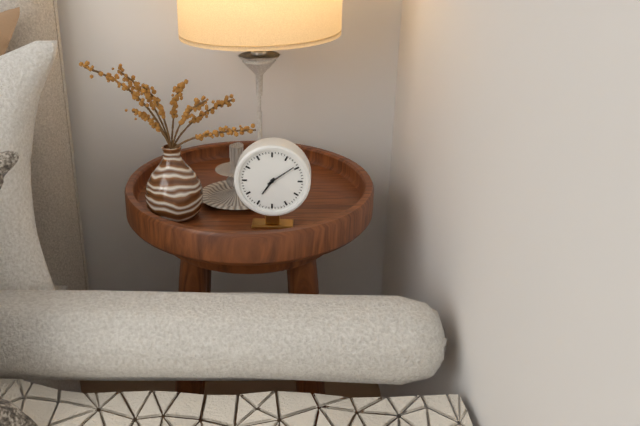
7:09
